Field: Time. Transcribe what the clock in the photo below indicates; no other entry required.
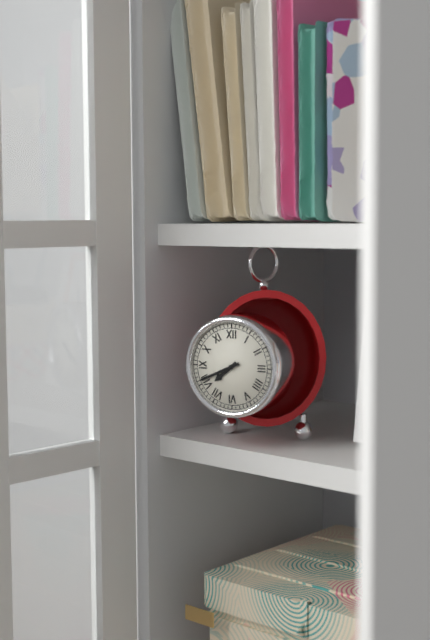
7:41
